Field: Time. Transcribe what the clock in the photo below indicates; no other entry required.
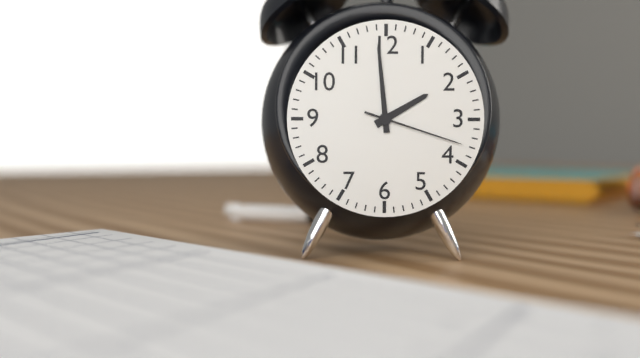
1:59:18
